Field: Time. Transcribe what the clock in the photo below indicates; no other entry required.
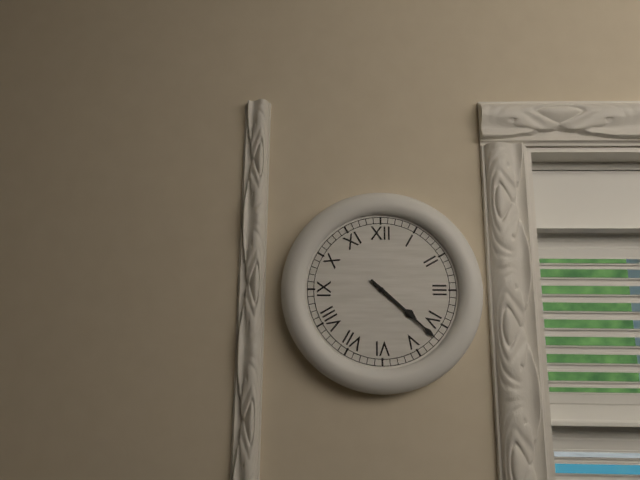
4:22
